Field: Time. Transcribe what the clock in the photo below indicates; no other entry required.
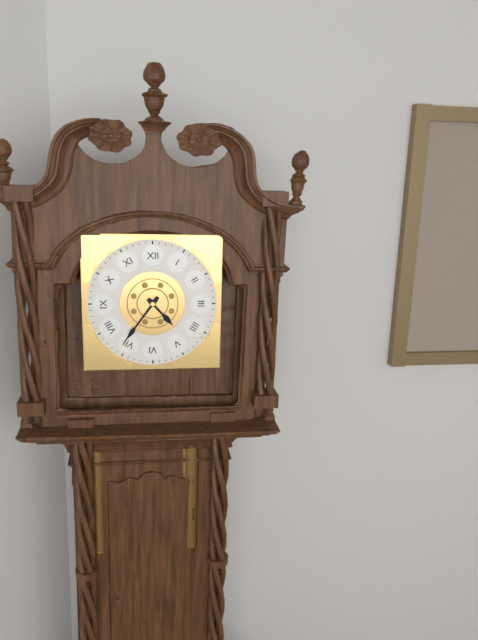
4:36
